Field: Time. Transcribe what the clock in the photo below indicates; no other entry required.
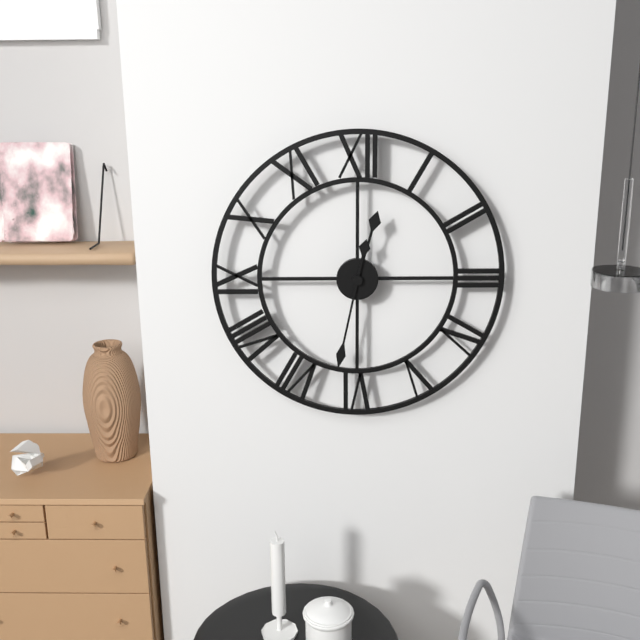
12:32
